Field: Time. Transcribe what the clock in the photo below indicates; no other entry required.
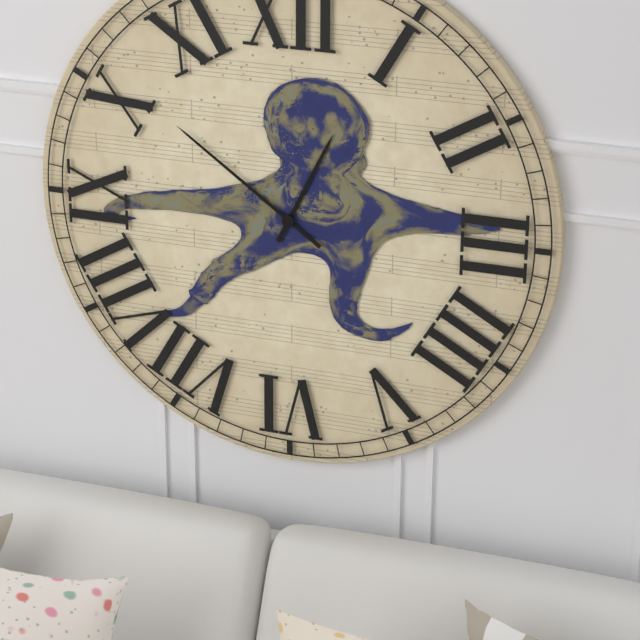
12:51
